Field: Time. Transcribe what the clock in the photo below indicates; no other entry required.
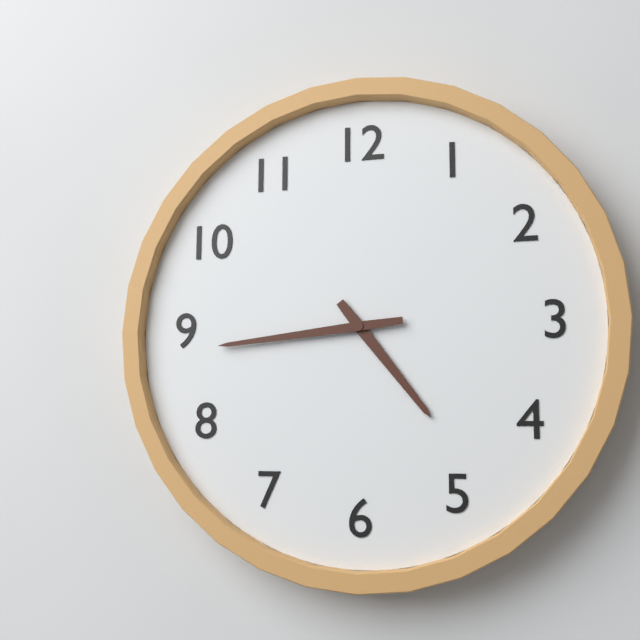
4:44
